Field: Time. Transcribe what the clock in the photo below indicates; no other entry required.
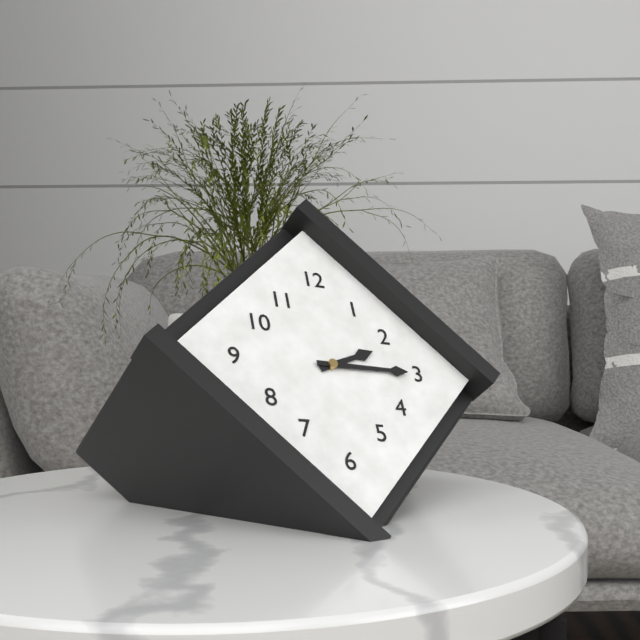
2:15
